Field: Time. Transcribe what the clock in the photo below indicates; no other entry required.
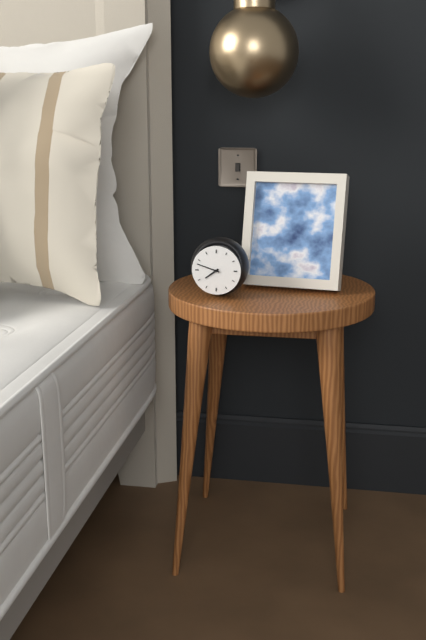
7:48
